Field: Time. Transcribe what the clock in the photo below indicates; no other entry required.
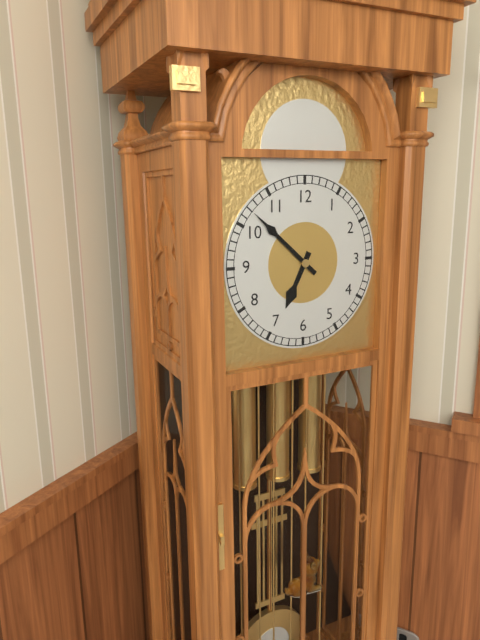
6:52
